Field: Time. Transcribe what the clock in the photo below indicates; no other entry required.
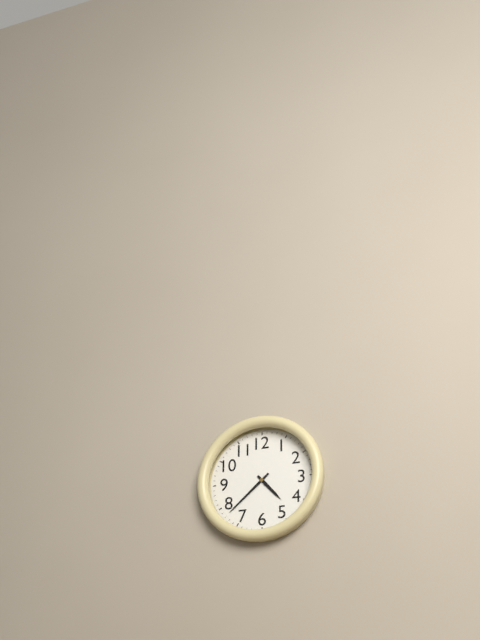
4:38
